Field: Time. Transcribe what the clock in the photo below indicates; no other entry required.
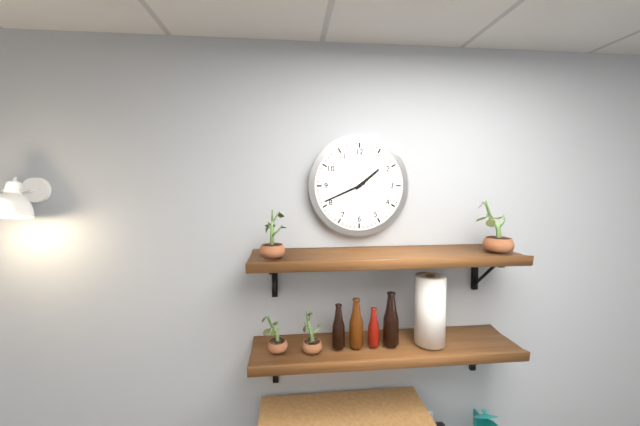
1:41
